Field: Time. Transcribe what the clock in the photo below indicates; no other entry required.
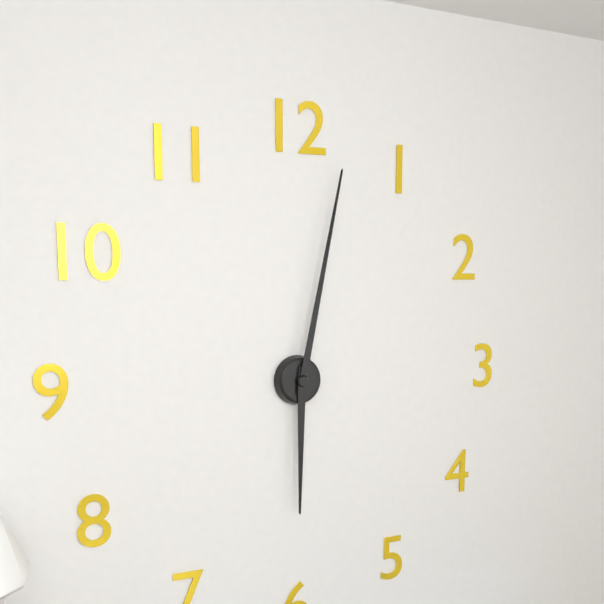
6:02
